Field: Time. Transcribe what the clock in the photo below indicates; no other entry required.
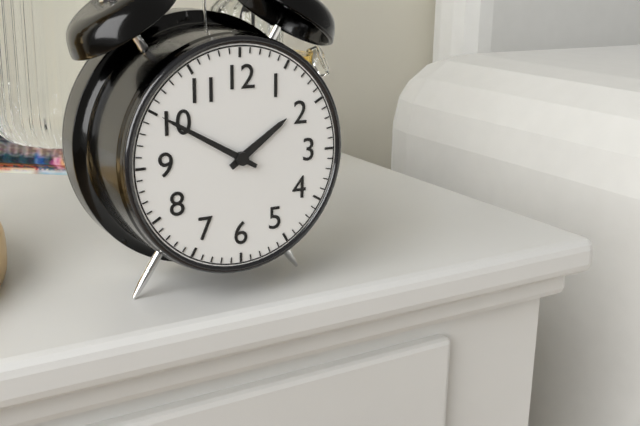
1:50
